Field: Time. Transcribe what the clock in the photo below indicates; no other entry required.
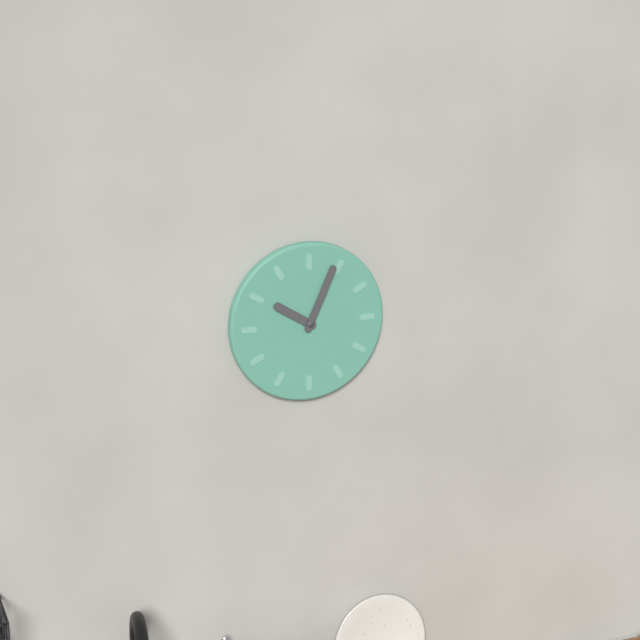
10:04
